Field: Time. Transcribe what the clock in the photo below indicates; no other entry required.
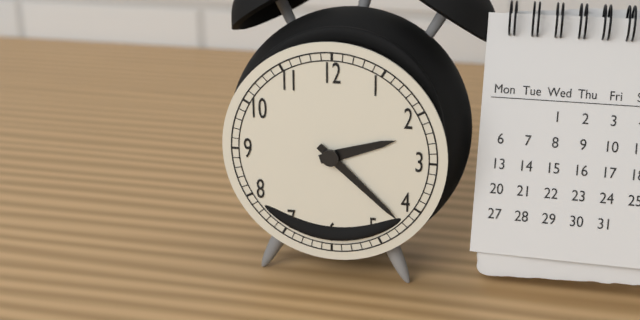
2:22
